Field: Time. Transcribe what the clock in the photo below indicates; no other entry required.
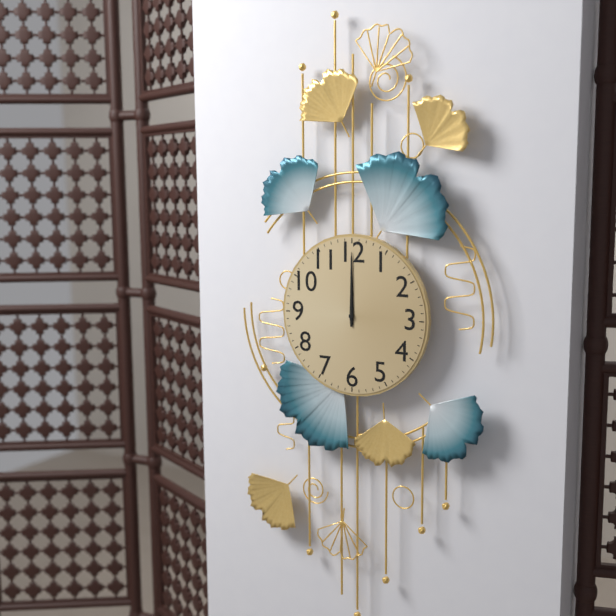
12:00
